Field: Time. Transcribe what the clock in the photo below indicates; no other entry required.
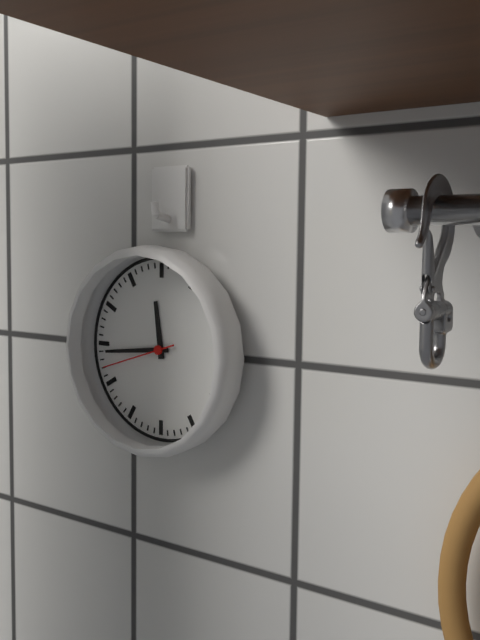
11:44:42
